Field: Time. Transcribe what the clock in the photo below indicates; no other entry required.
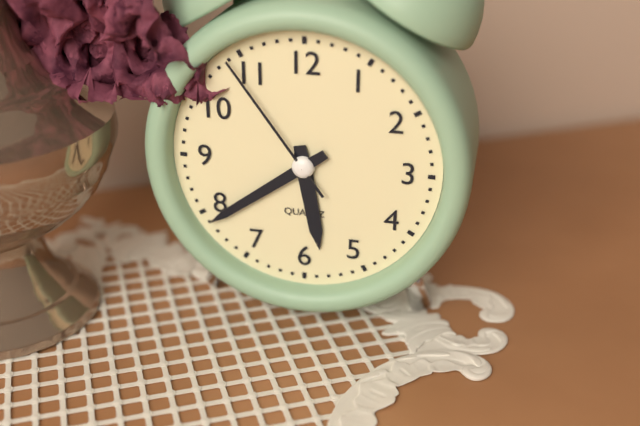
5:39:54
